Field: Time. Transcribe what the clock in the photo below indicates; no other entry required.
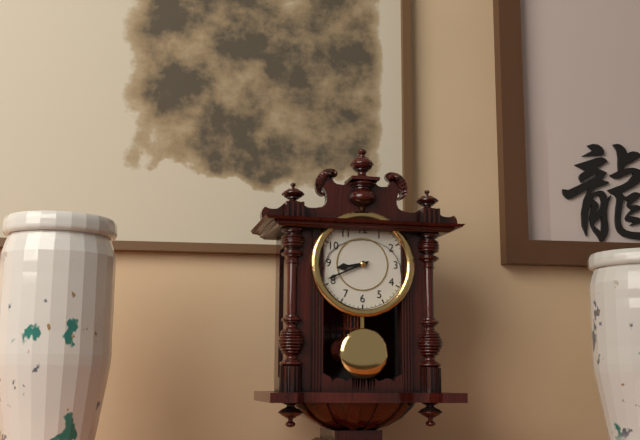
8:41
